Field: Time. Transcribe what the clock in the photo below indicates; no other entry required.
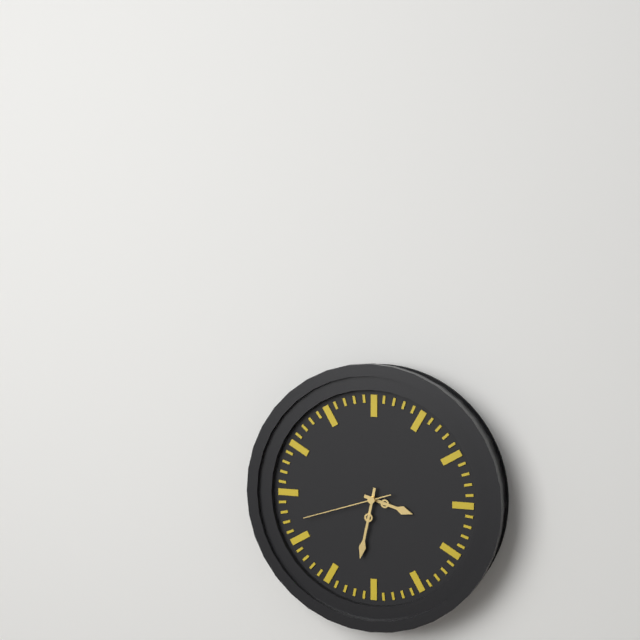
3:32:42
